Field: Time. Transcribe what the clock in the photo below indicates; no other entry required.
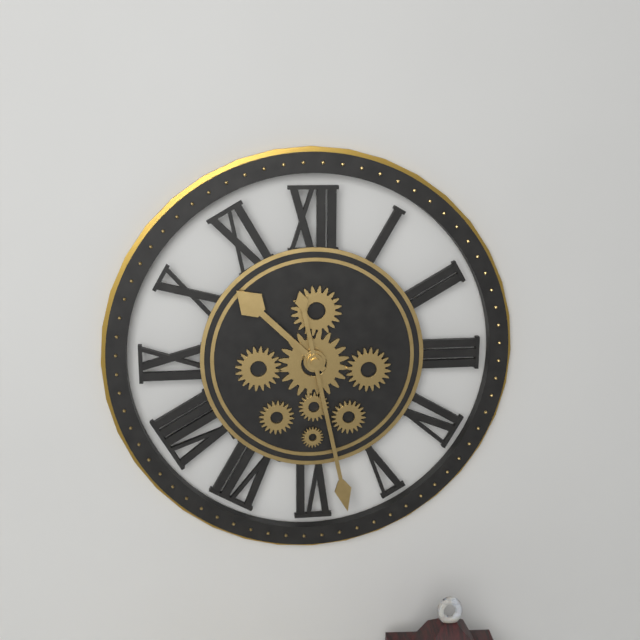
10:28
